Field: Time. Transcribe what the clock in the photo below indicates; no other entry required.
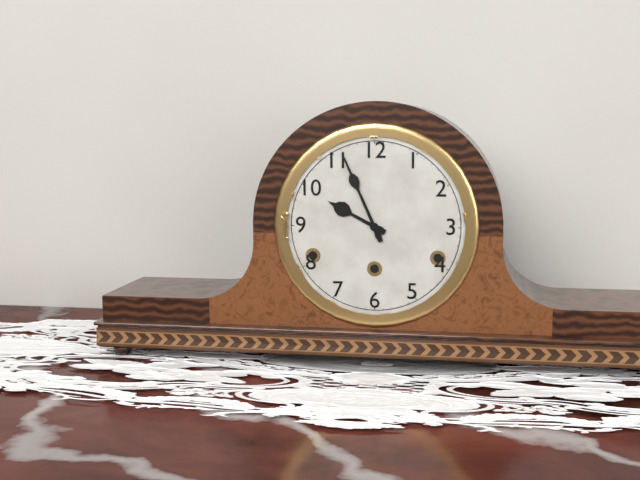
9:56
